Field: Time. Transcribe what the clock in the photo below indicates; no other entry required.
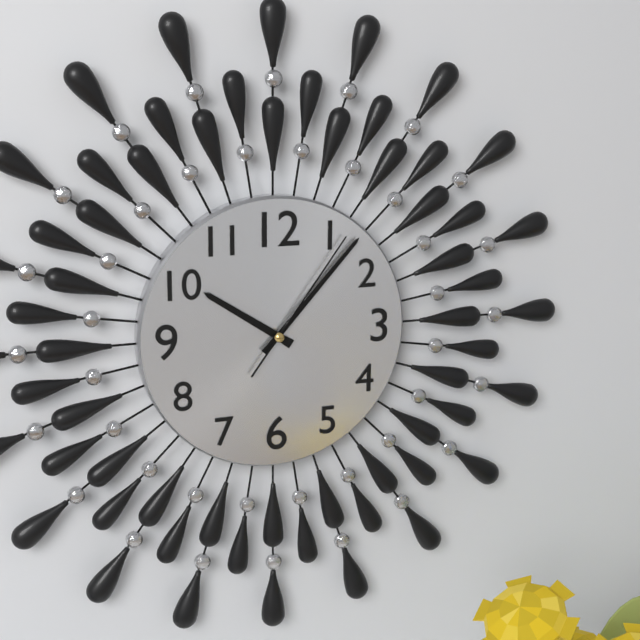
10:07:06
